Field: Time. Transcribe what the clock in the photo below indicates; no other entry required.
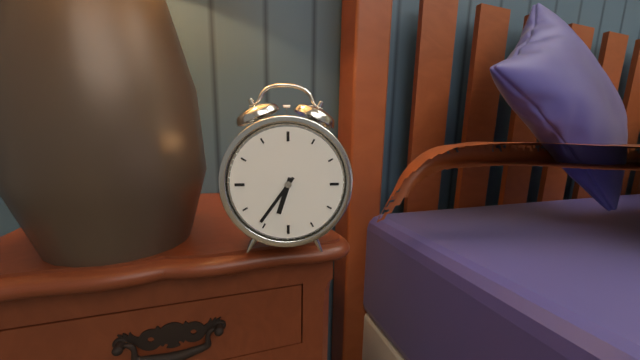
6:36
